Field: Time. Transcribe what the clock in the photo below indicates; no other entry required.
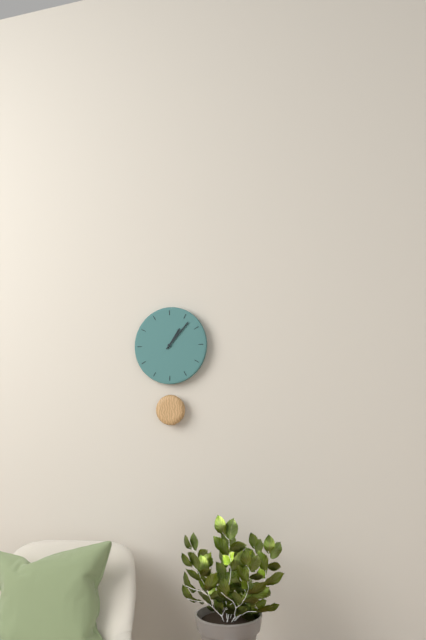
1:07
